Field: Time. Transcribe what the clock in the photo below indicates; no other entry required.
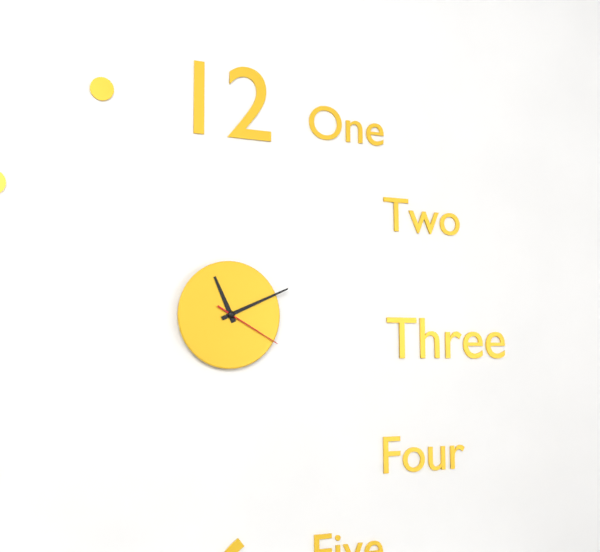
11:11:20
